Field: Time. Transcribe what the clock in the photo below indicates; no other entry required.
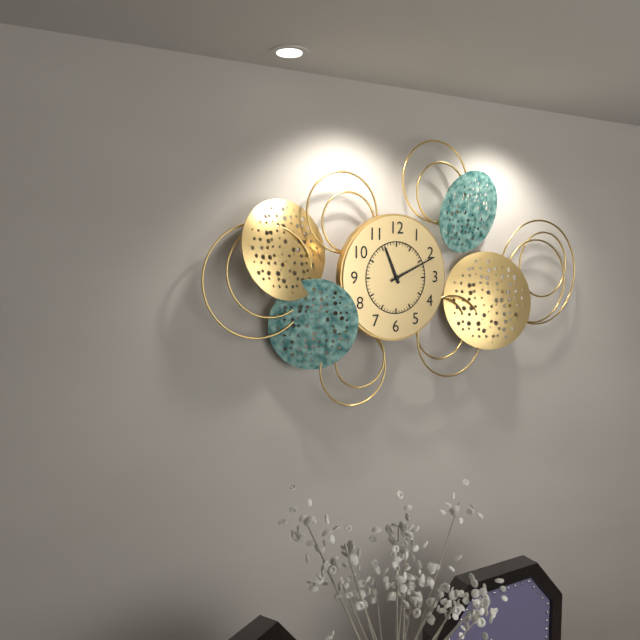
11:11
